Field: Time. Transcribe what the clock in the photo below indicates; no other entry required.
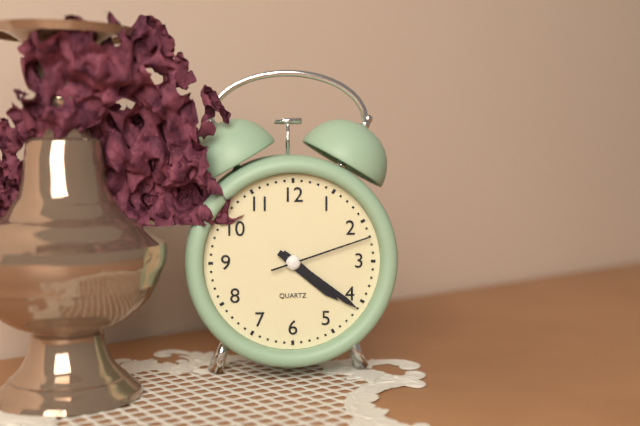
4:21:12
